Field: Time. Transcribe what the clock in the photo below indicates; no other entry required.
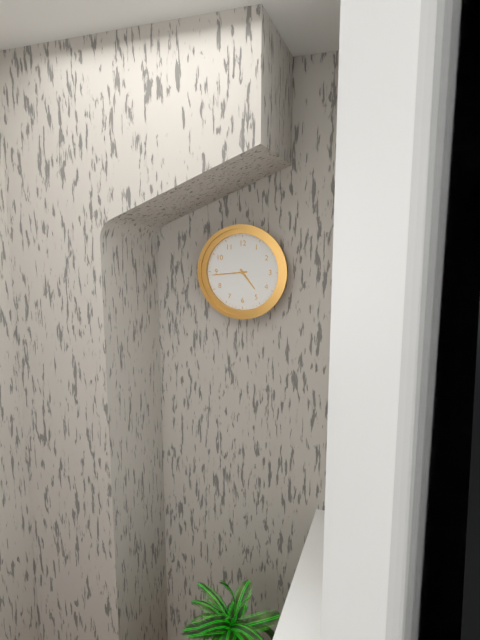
4:44
